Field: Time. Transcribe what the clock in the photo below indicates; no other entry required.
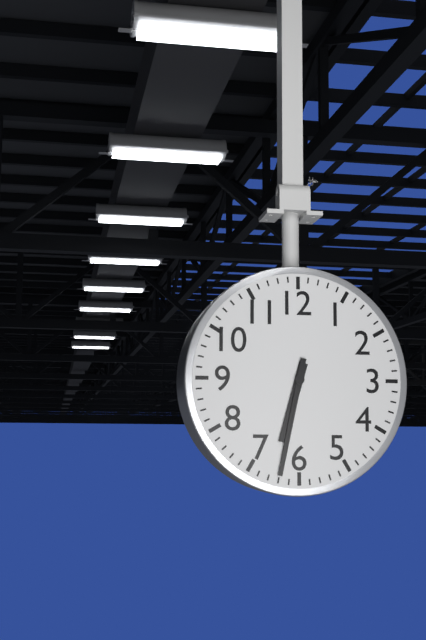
6:32
